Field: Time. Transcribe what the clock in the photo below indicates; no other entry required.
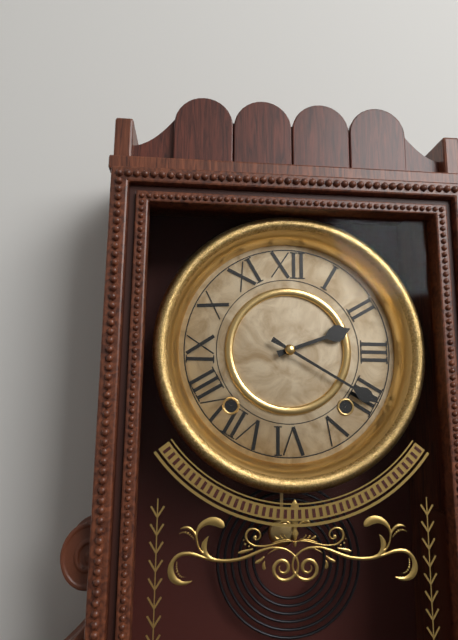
2:20
